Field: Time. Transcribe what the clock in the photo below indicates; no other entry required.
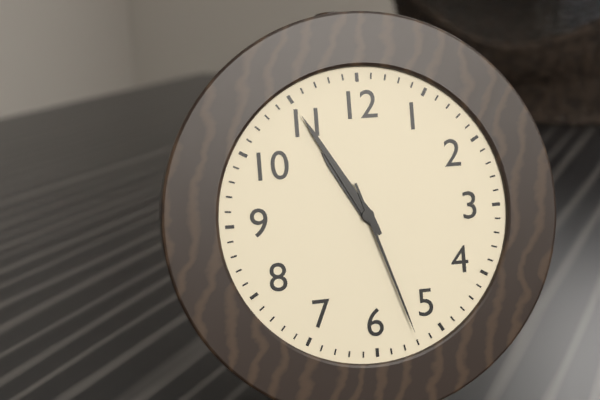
10:55:27
